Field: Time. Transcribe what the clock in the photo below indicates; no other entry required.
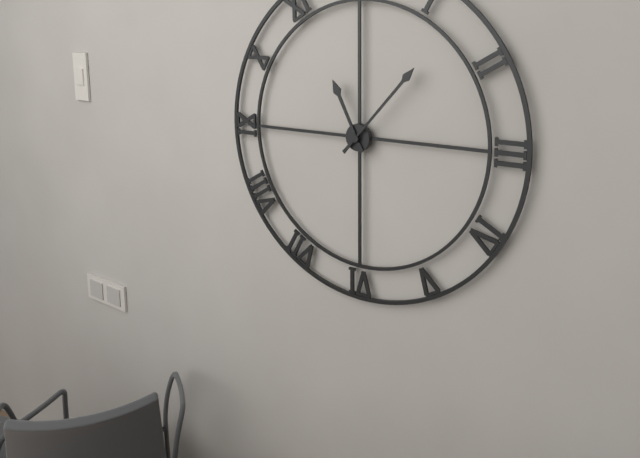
11:07
